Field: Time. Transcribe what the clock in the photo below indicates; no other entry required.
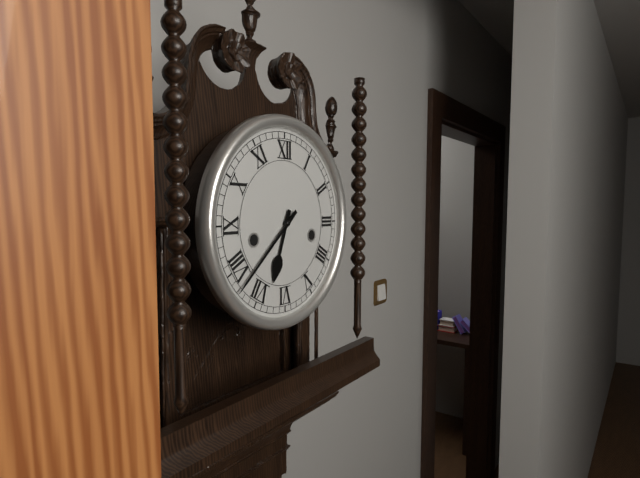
6:38
